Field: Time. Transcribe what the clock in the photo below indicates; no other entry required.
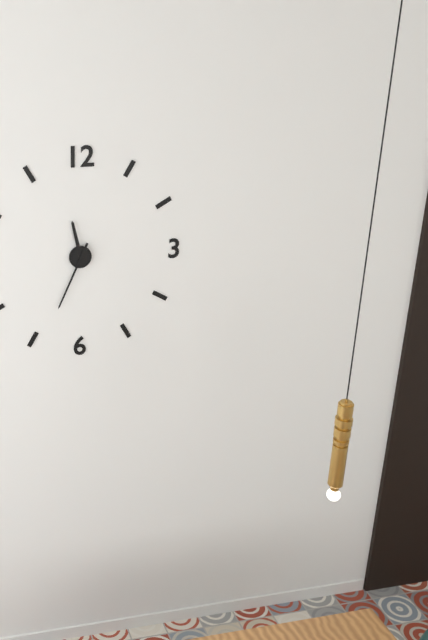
11:34
